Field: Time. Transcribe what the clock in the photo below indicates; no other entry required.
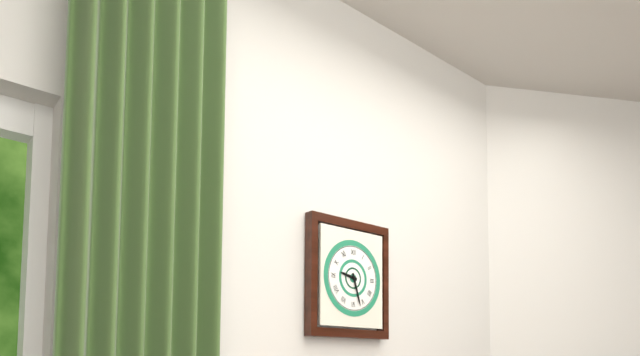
9:27
